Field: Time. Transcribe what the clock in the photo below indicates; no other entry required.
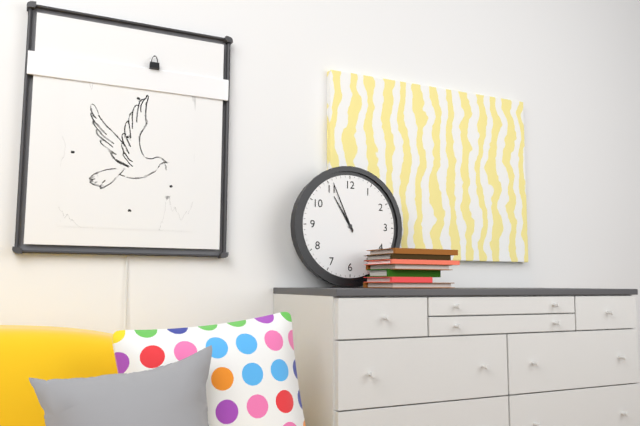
10:56
